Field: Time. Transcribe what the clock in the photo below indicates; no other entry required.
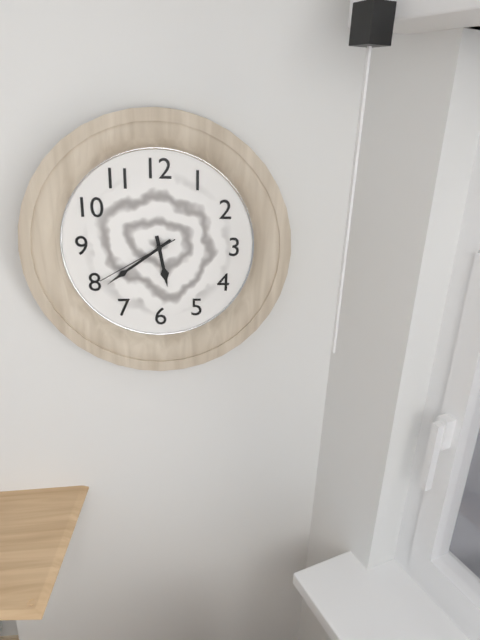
5:39:40
